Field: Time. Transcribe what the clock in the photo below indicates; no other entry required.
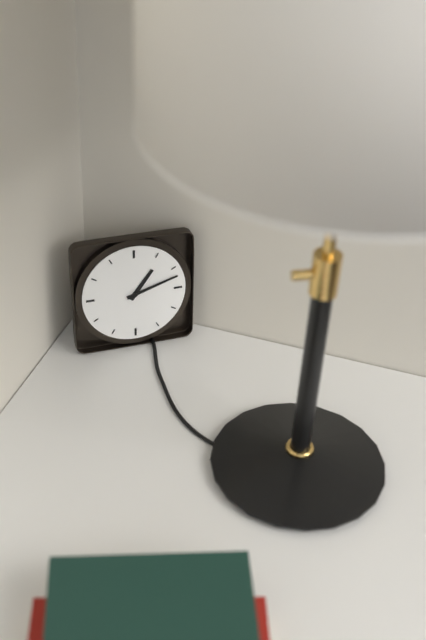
1:12
